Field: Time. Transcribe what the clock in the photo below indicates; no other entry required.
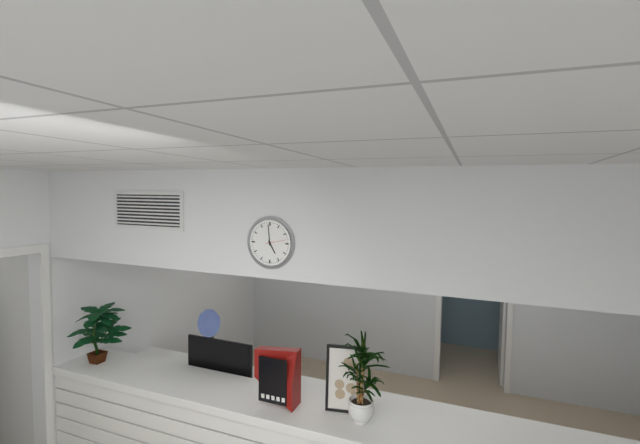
4:59
